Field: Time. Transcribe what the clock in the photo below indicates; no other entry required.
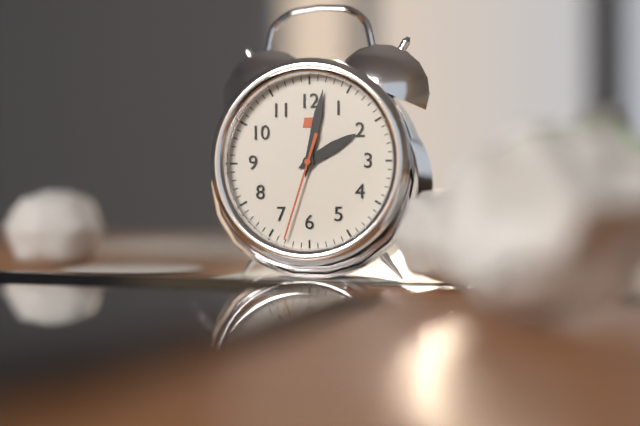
2:02:33
